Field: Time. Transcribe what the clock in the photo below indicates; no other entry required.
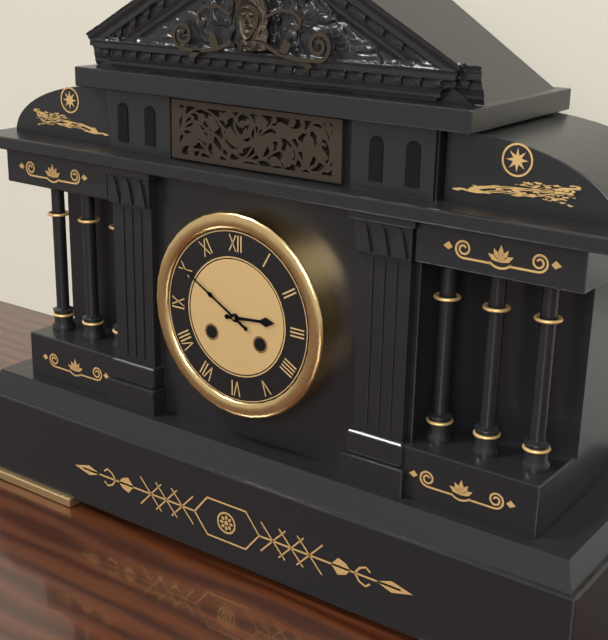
2:50
